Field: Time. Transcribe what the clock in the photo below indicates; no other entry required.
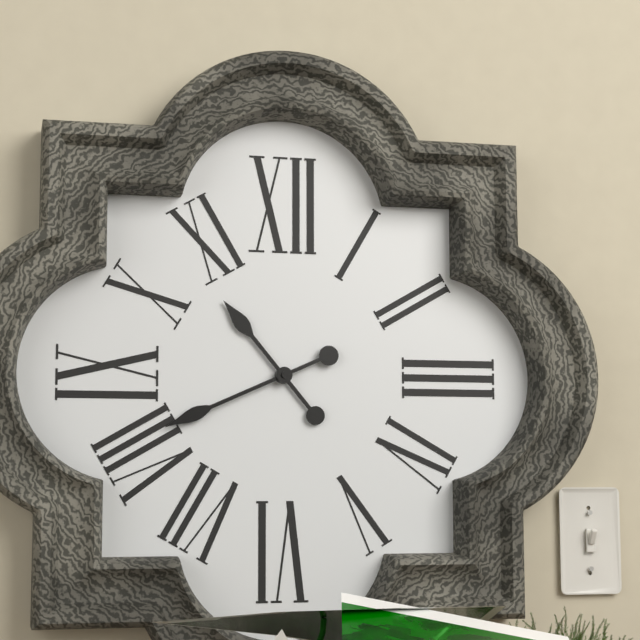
10:41
